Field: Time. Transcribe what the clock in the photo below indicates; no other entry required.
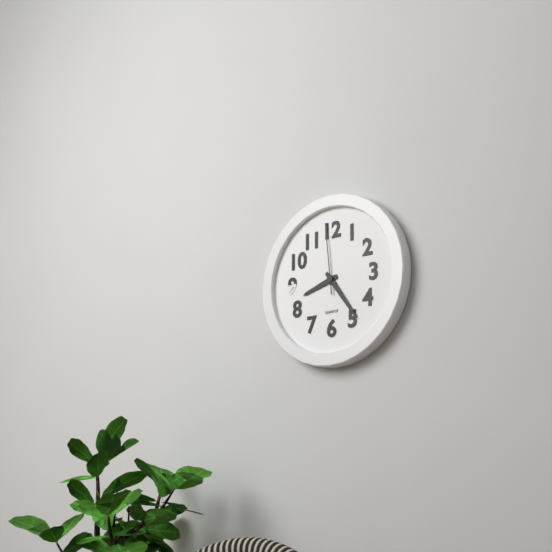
8:24:59
